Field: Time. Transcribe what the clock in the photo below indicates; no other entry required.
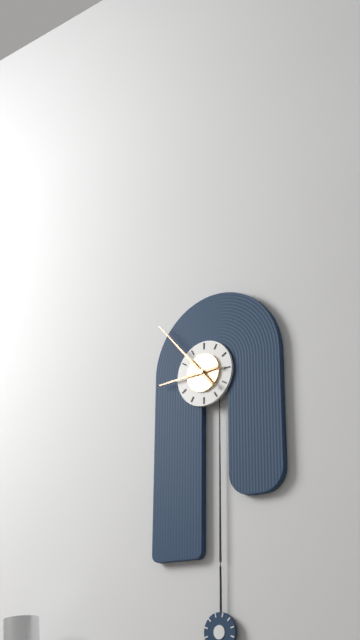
8:53
